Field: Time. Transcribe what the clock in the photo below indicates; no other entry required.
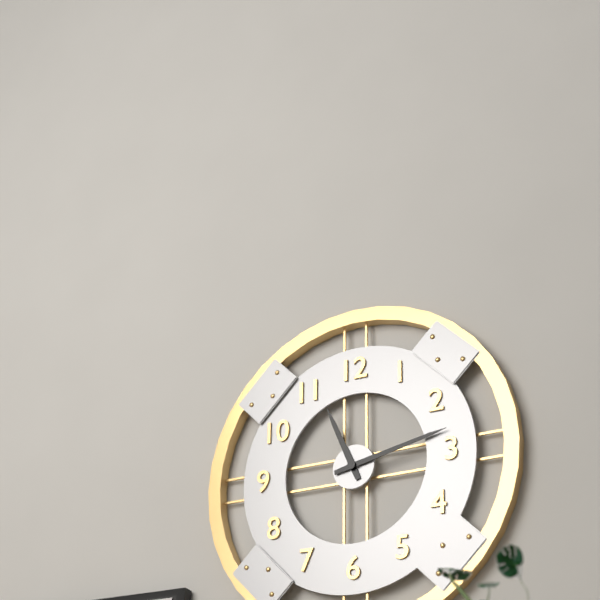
11:13
